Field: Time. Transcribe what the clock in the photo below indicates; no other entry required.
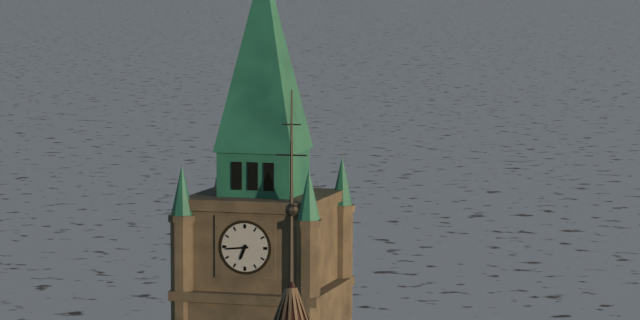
6:44
